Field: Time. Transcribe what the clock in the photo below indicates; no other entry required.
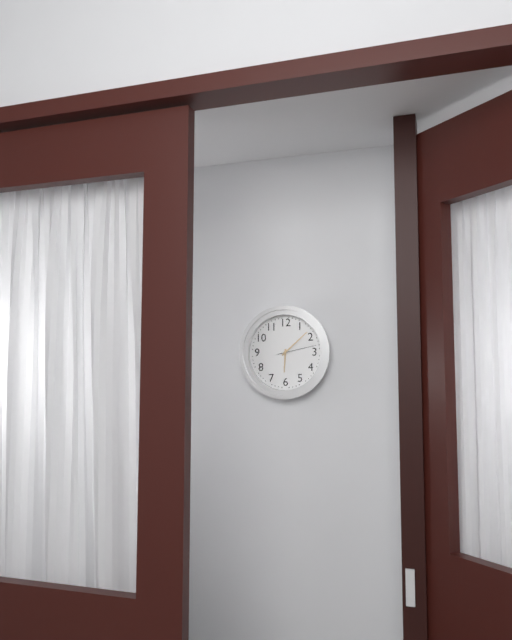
6:08
